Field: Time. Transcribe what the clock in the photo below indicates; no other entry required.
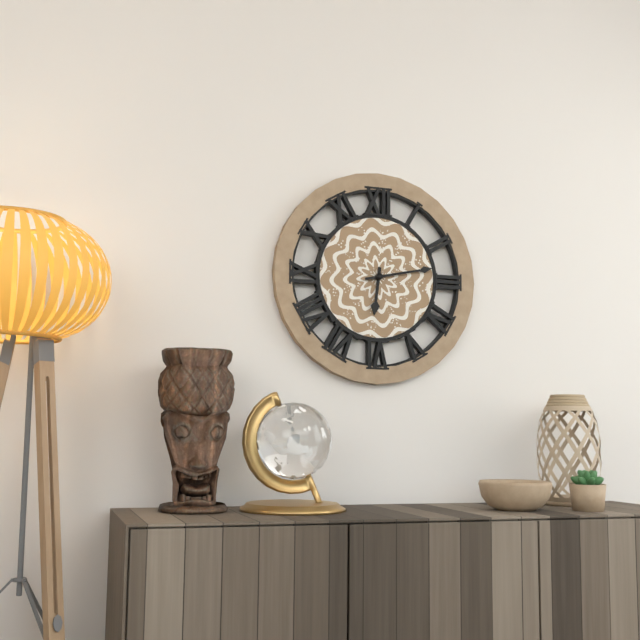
6:13
